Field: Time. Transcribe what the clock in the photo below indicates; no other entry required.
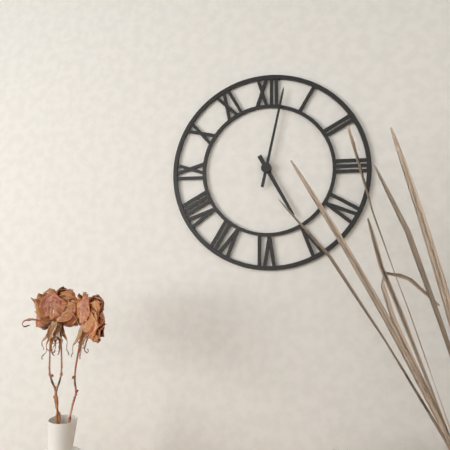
5:02
